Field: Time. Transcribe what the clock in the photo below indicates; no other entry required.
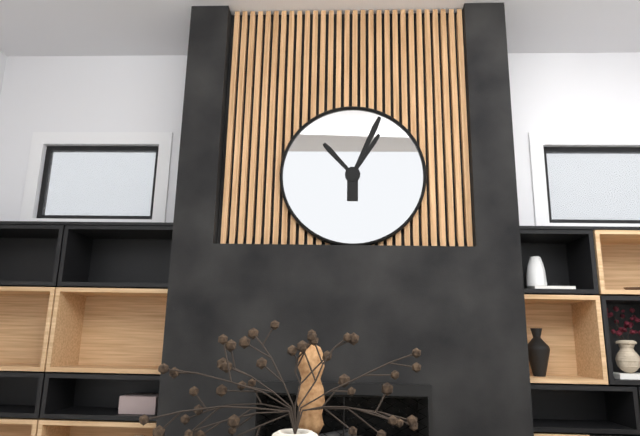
1:04:53
